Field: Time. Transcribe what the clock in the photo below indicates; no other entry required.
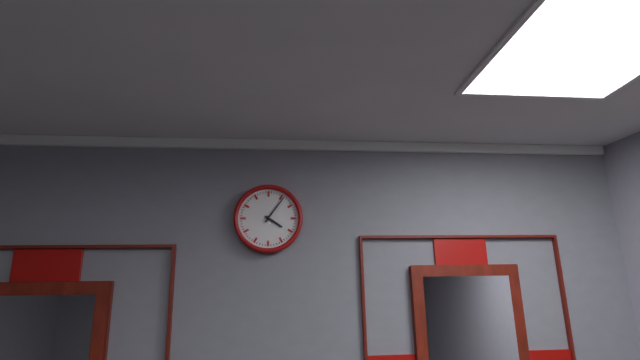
4:06
